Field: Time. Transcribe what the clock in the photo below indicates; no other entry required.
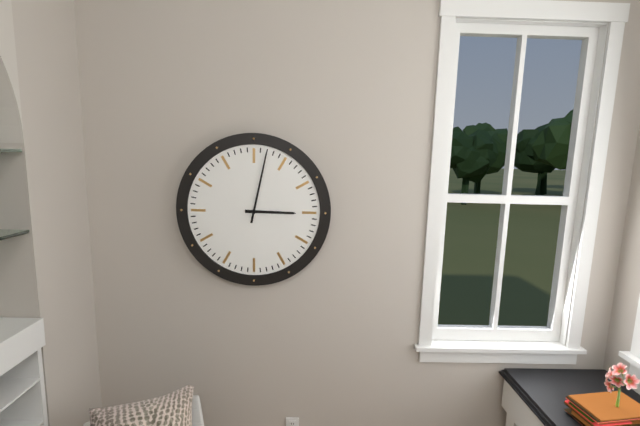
3:02
